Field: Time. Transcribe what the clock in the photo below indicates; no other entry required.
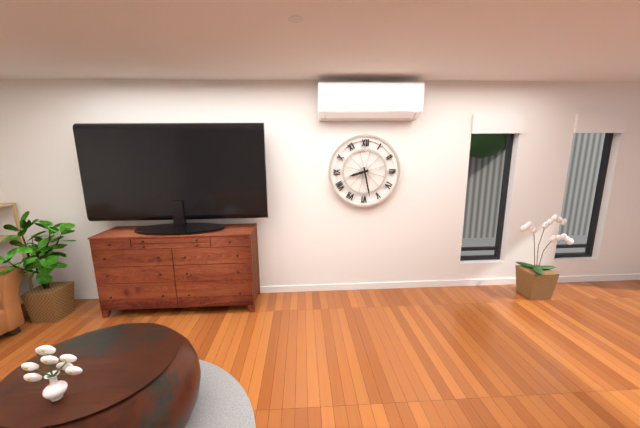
8:28
